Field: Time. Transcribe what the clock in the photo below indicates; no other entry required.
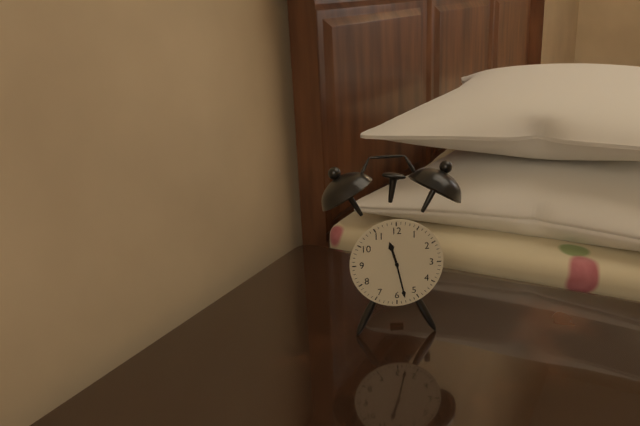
11:28
